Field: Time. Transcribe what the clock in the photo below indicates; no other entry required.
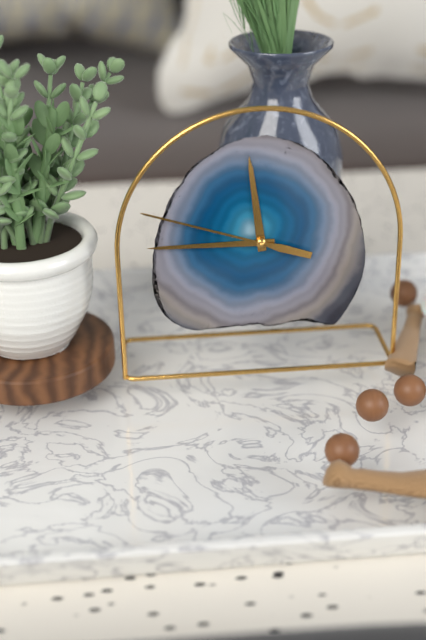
11:45:48
